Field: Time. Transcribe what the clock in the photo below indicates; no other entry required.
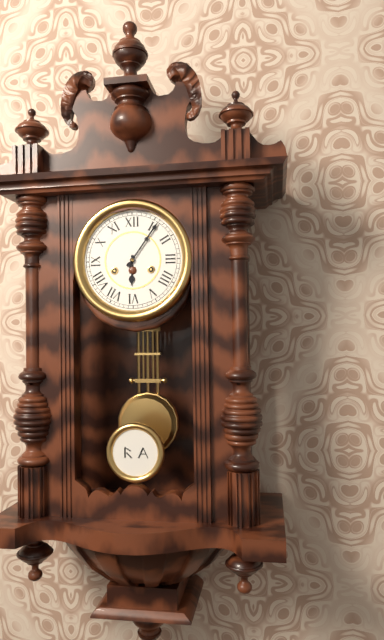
6:06
